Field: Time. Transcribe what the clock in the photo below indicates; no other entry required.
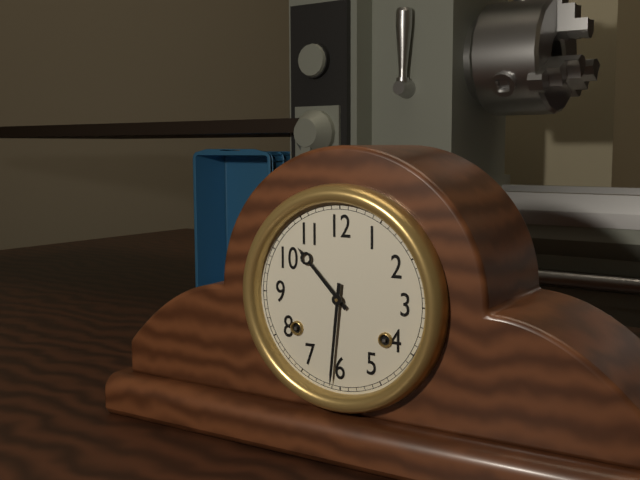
10:31
